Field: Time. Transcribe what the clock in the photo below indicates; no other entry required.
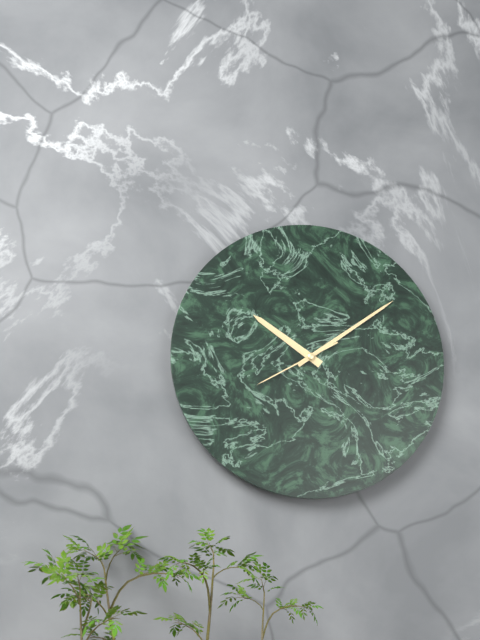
10:09:40
